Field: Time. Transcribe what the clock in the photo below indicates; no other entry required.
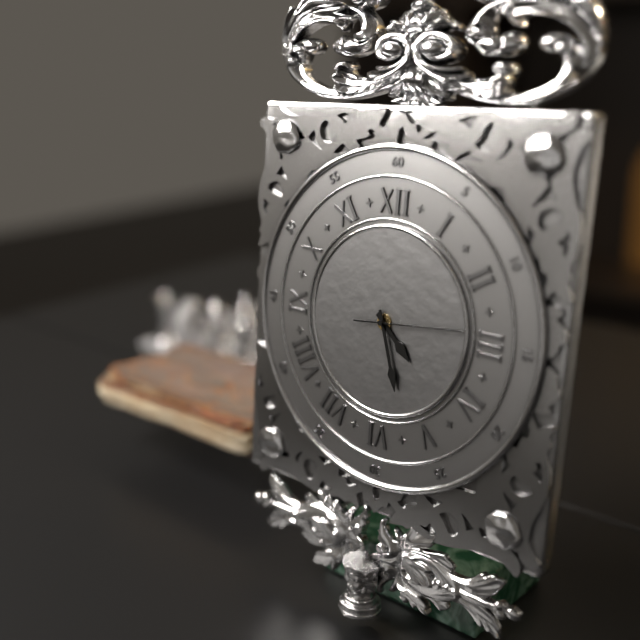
4:27:14
